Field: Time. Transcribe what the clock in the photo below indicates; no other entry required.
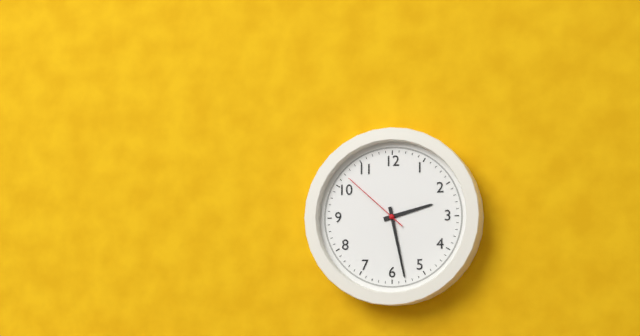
2:28:52
